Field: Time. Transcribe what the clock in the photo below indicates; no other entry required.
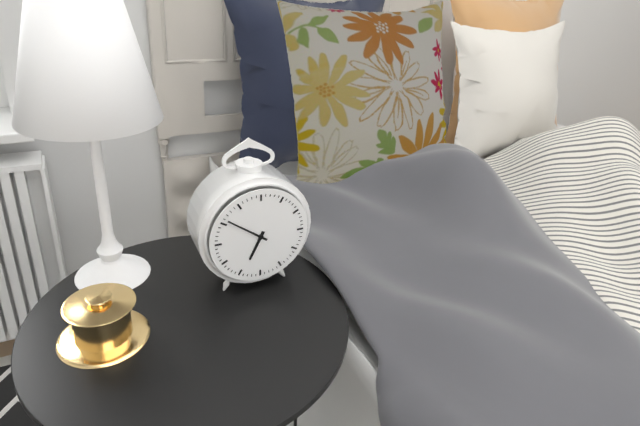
6:51
